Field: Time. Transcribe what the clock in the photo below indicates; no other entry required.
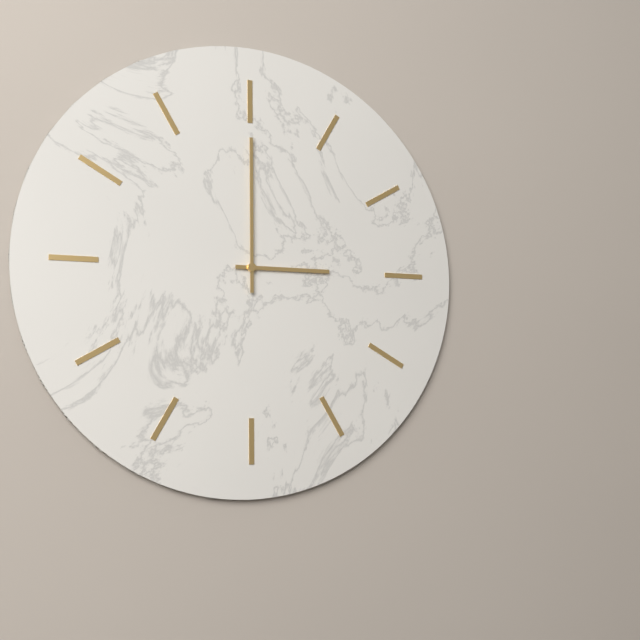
3:00
